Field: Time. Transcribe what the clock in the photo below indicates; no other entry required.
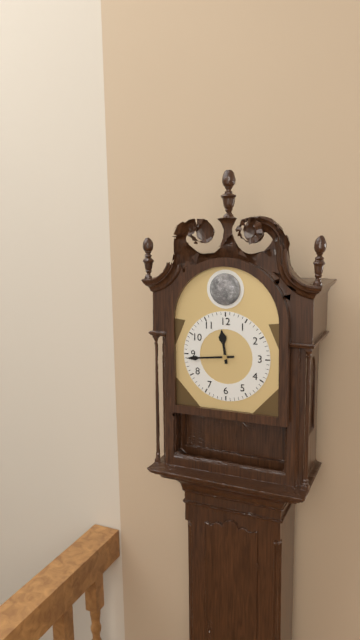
11:44
